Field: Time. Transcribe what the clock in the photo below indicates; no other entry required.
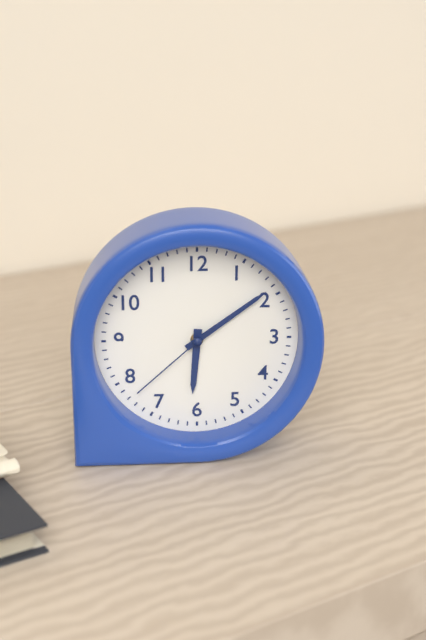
6:09:38
